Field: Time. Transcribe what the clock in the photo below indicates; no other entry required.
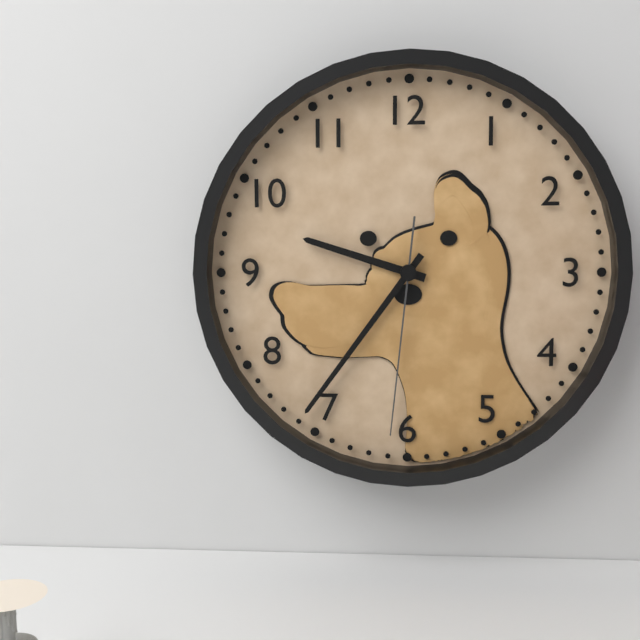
9:36:31
